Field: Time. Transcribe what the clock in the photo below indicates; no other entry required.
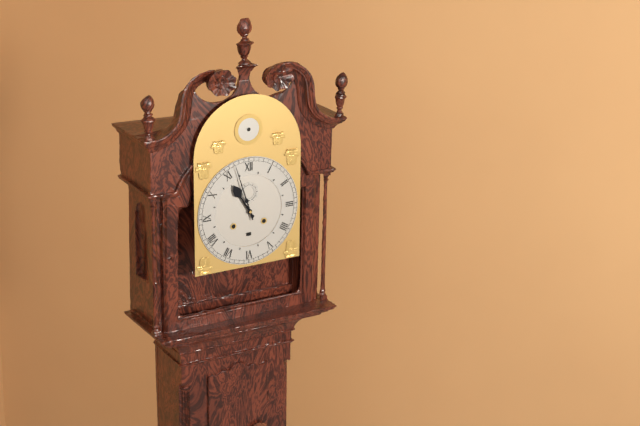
10:57
